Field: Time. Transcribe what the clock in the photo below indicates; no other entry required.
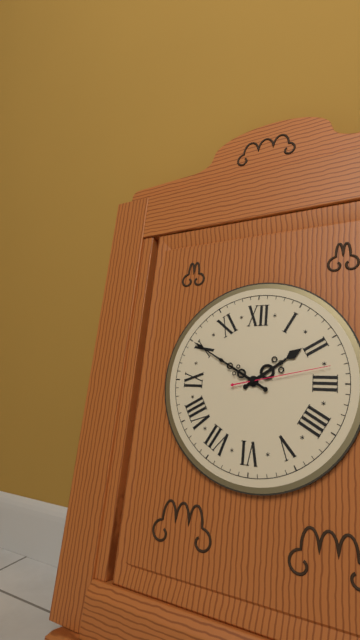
1:50:13
